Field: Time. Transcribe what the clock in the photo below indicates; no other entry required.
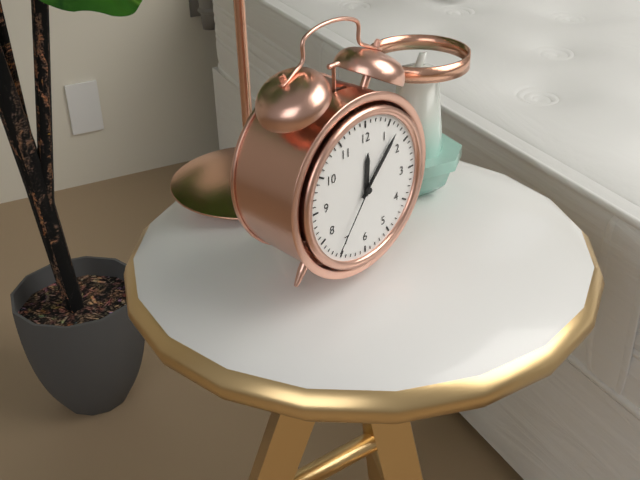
12:07:36
